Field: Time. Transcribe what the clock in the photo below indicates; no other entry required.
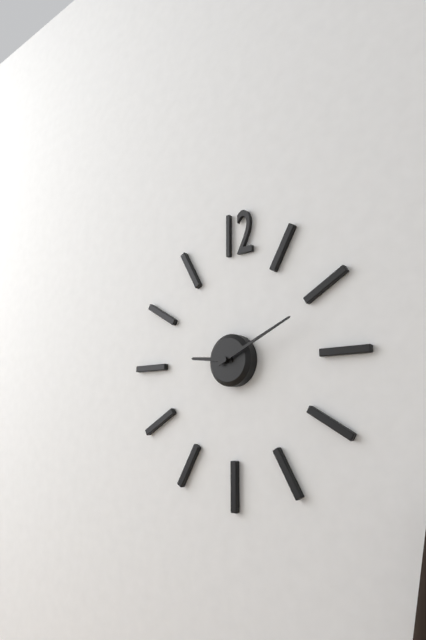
9:11
